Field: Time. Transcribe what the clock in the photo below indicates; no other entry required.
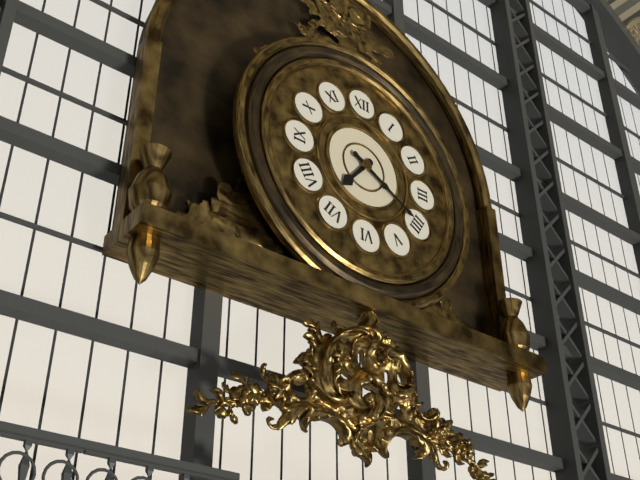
7:20
